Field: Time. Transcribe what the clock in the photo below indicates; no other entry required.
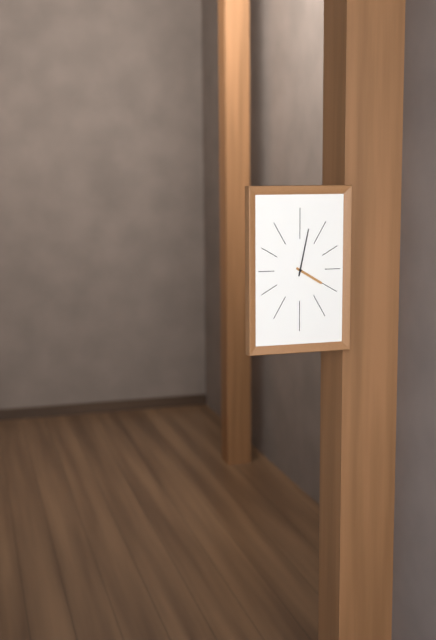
4:02
